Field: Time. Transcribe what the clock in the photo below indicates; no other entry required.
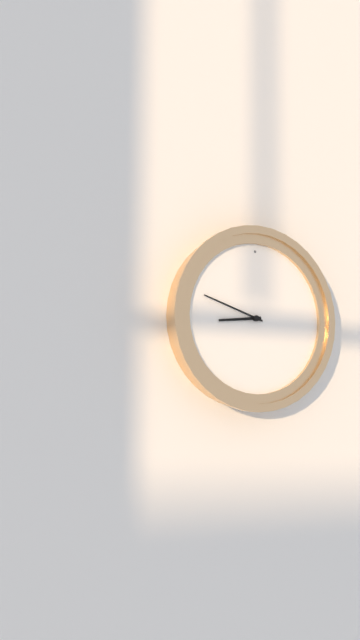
8:48
